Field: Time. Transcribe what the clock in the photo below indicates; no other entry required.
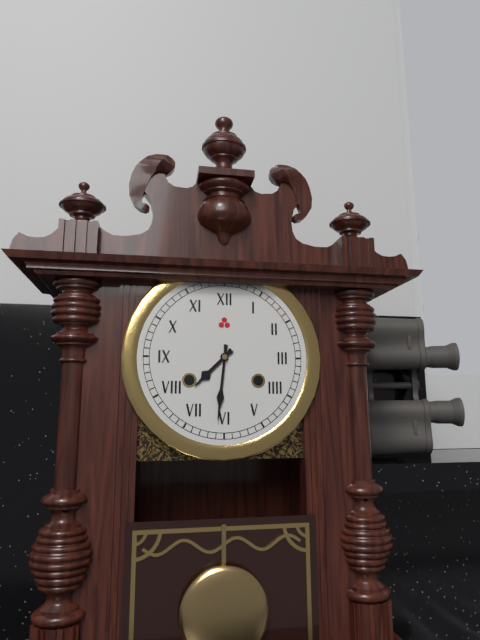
7:31
